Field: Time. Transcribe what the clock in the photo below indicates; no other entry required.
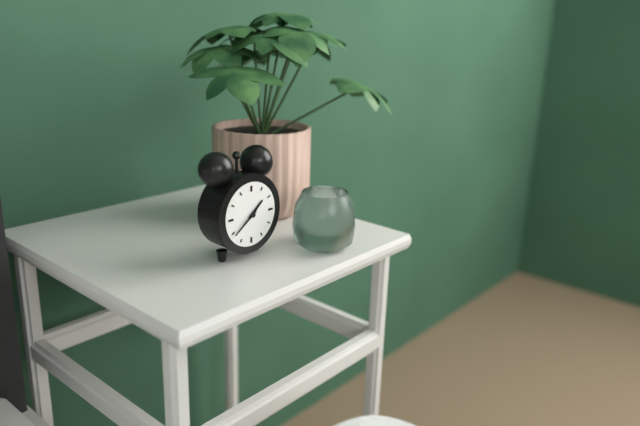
1:39
